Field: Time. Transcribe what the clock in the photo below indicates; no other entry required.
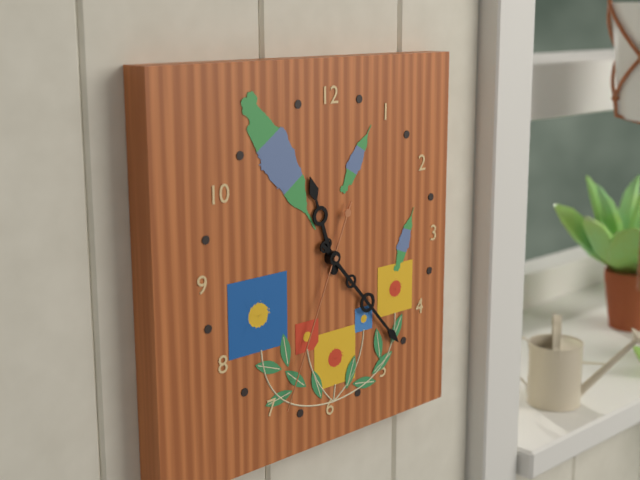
11:23:34
